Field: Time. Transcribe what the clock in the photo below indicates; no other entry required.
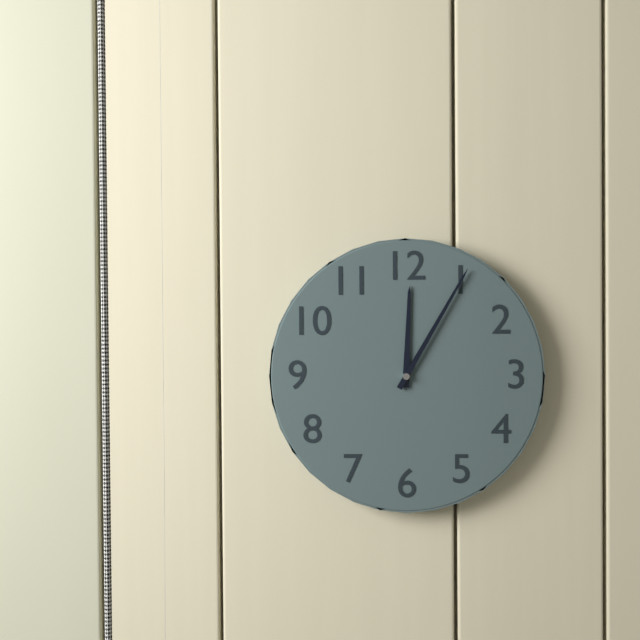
12:05
